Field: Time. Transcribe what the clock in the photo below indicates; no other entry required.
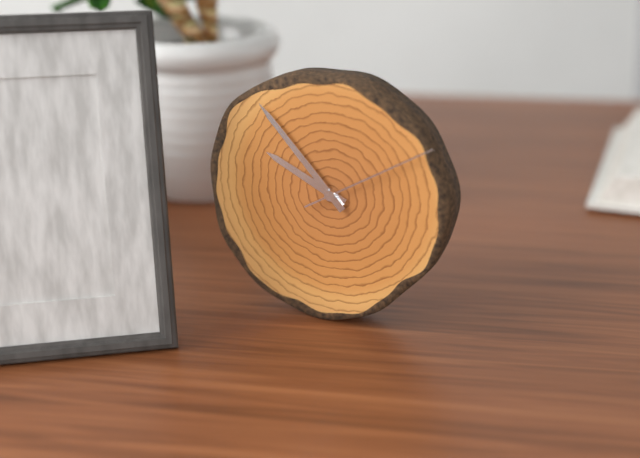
9:53:10
